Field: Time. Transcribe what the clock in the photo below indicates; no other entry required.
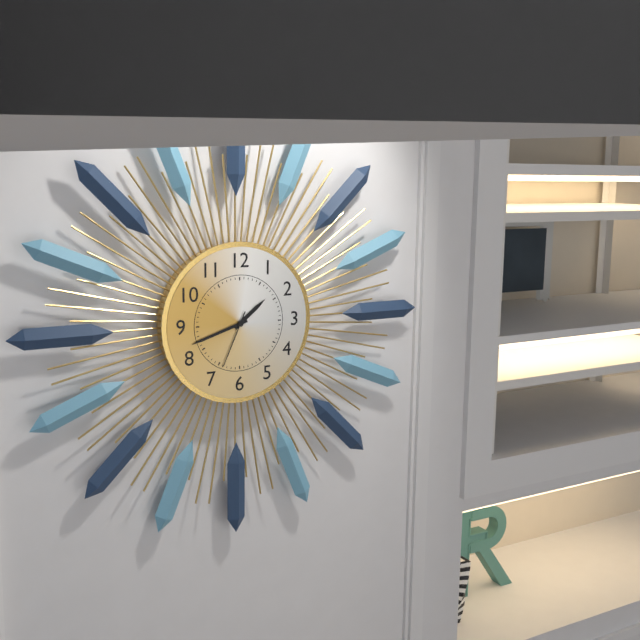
1:42:34
